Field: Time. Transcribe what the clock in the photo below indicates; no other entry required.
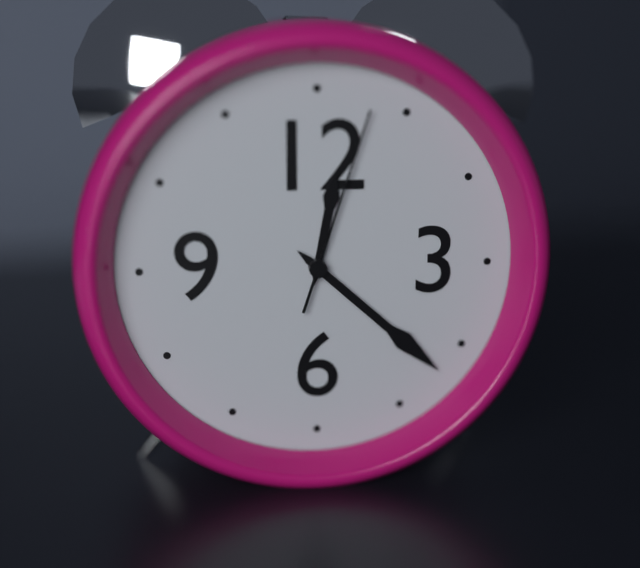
12:22:03
